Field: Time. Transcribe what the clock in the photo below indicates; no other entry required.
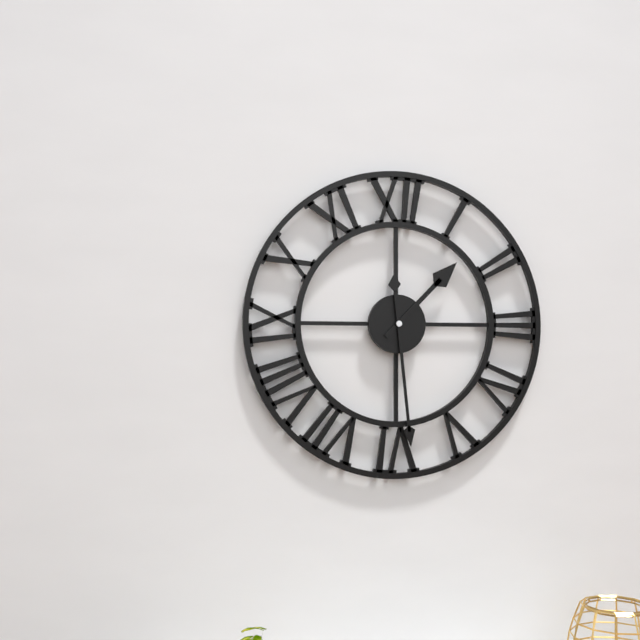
1:29
